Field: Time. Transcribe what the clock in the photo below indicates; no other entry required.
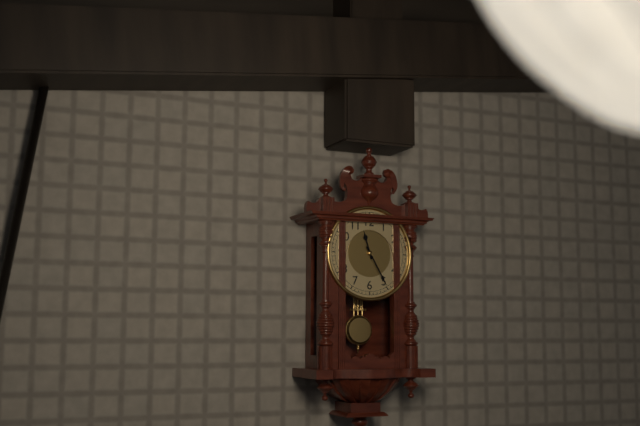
11:25
